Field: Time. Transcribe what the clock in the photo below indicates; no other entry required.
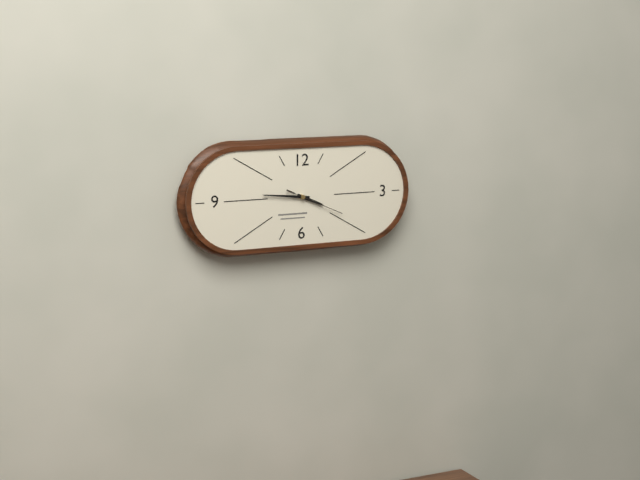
3:46:19
